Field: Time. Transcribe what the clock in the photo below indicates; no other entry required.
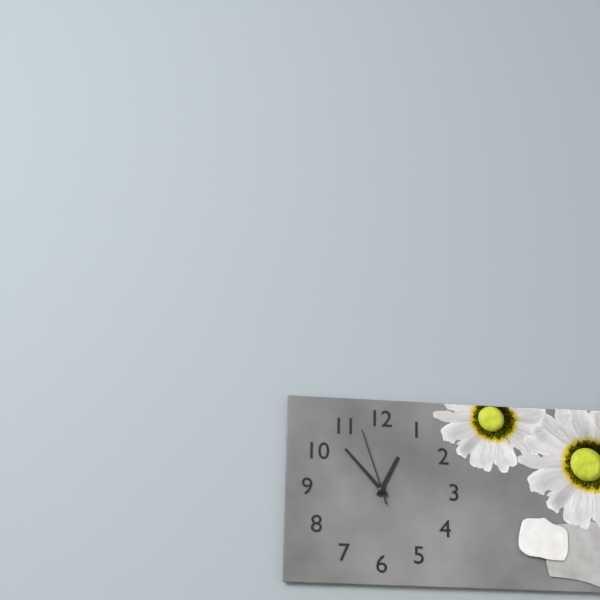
12:53:57
